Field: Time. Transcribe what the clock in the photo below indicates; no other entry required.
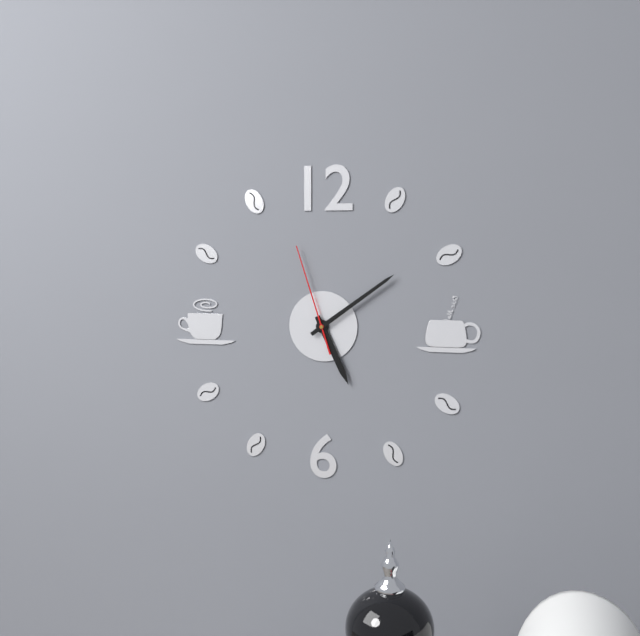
5:09:57
